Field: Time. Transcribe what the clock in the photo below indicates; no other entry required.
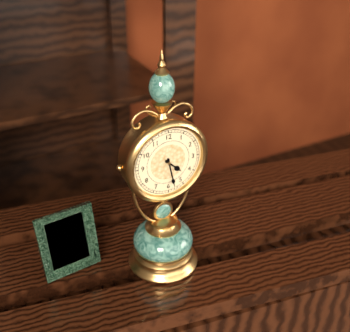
4:28
